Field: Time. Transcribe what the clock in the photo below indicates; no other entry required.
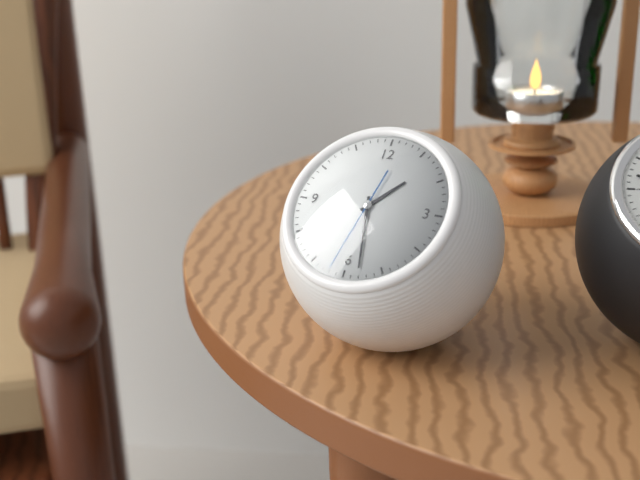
1:28:32
